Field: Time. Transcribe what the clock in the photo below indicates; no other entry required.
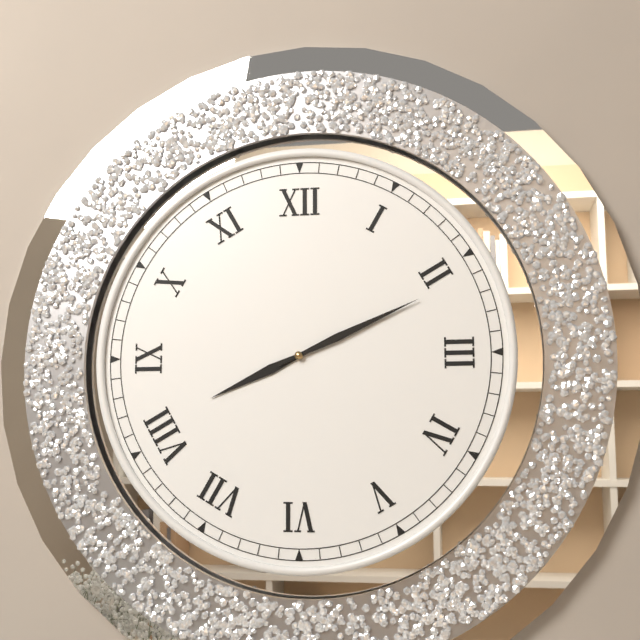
8:11
